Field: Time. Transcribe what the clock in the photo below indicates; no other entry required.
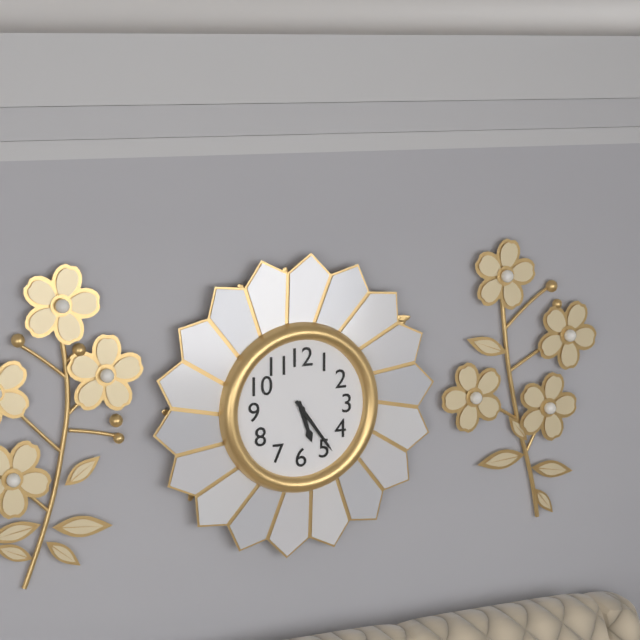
5:24
